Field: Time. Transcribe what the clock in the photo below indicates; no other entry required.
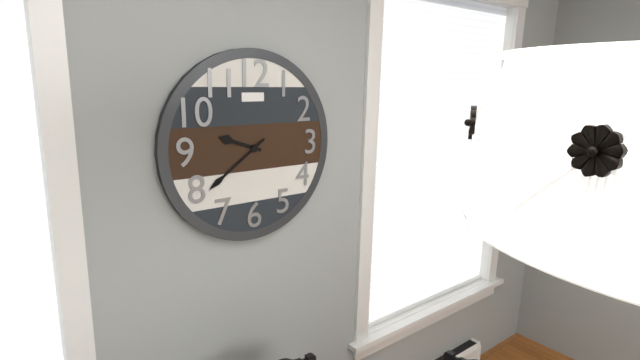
9:39
